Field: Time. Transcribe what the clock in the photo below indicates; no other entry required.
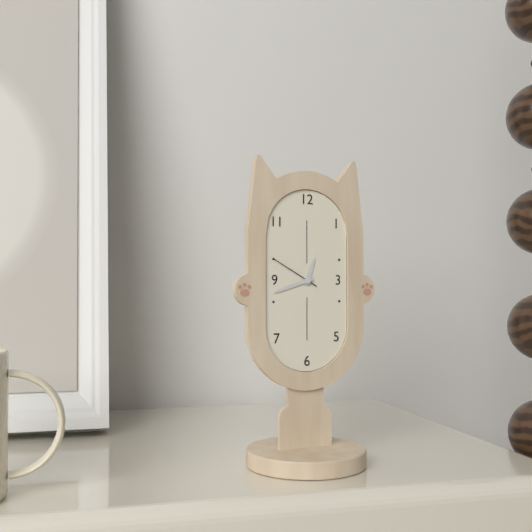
12:42:50
